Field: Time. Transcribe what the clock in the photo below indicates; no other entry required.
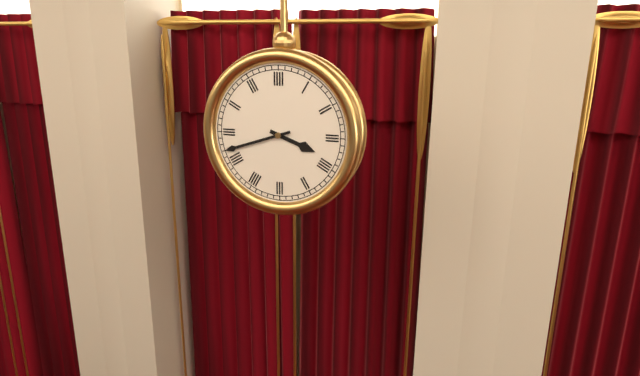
3:42
